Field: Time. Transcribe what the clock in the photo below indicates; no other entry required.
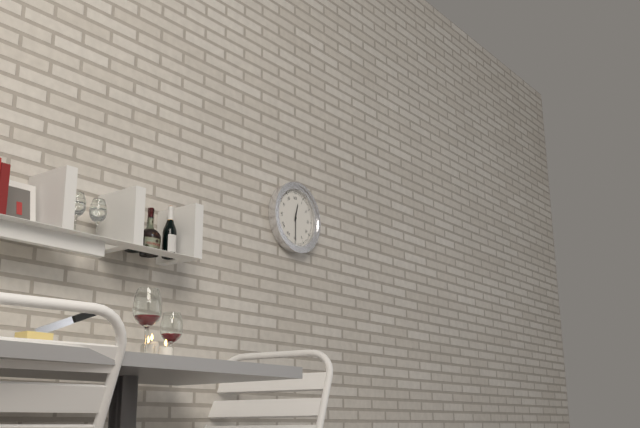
12:30
